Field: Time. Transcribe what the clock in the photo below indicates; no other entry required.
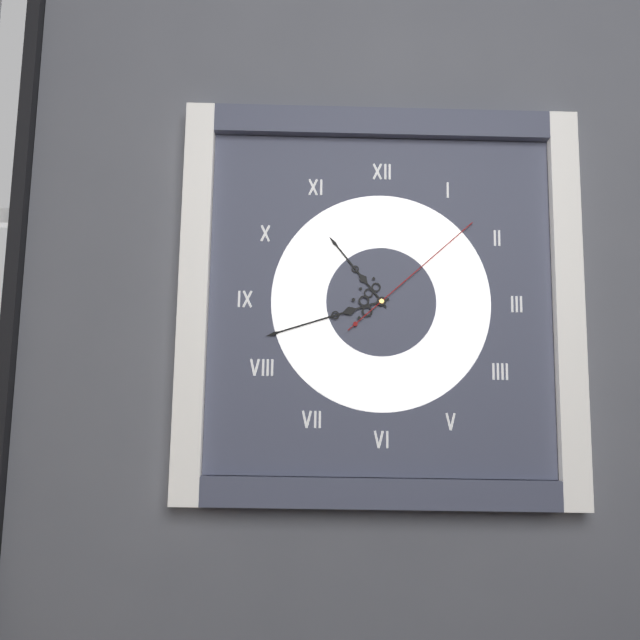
10:42:08
